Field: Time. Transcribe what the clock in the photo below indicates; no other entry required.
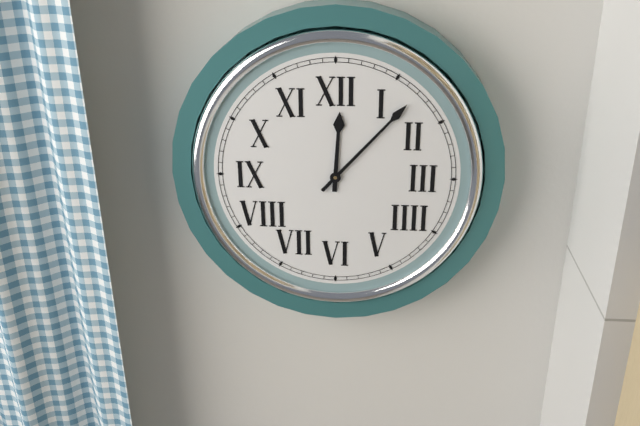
12:07
